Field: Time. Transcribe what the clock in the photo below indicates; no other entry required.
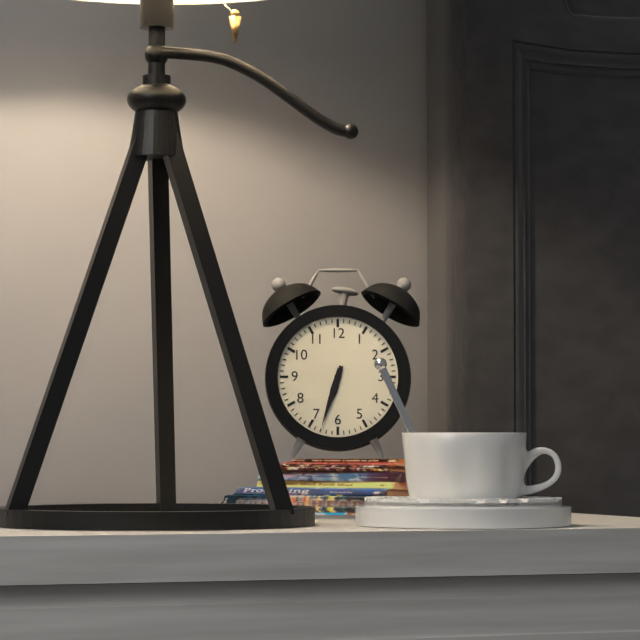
6:33
